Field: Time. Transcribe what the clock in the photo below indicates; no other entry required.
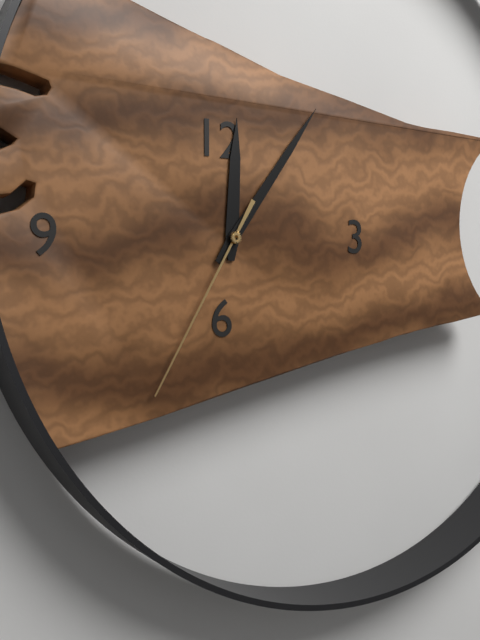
12:06:35
